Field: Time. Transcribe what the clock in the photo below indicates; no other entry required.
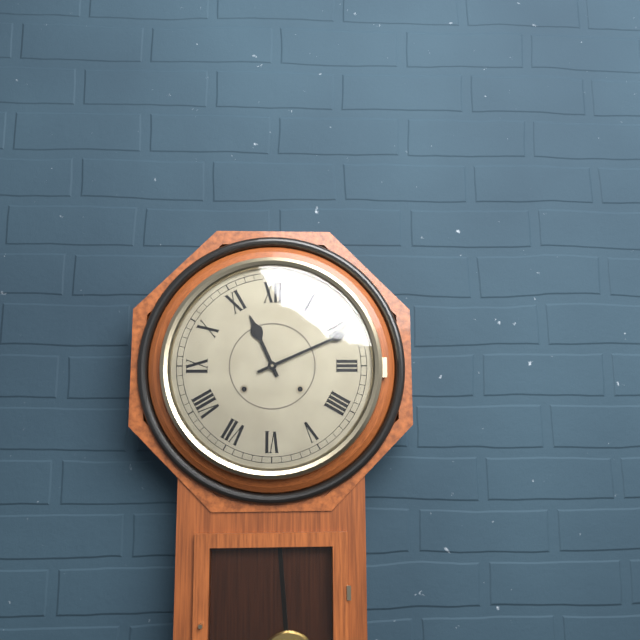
11:11
